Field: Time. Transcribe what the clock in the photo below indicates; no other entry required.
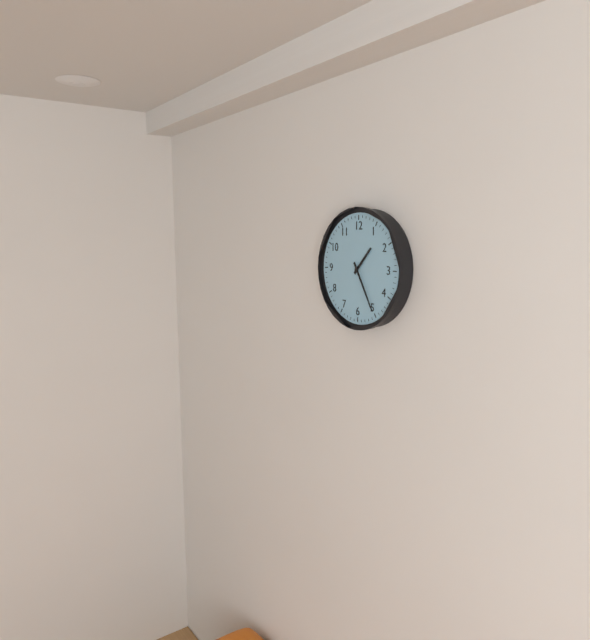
1:25
